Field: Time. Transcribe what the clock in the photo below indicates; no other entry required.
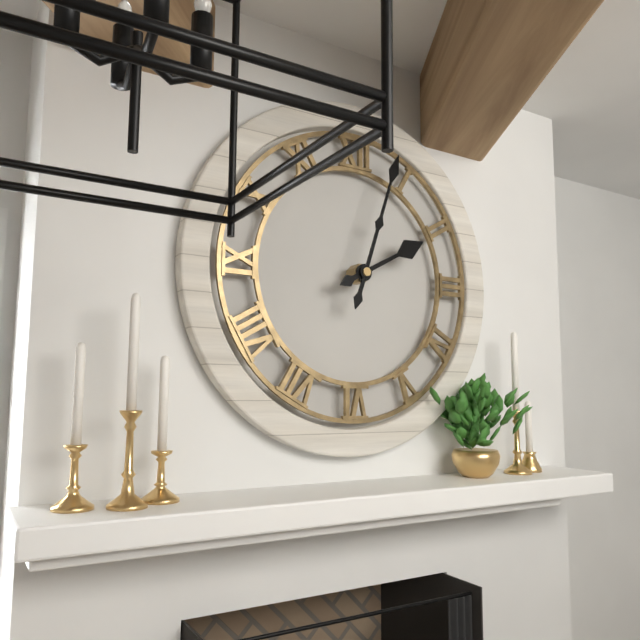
2:03
